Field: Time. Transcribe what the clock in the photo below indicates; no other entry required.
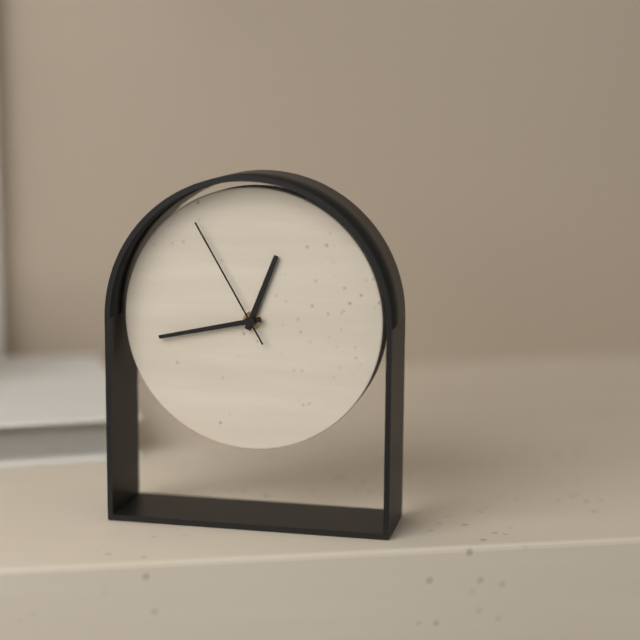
12:43:55
